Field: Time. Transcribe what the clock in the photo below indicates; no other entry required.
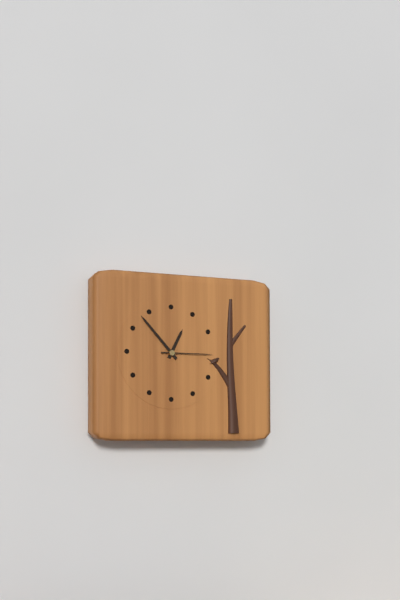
12:53:15
